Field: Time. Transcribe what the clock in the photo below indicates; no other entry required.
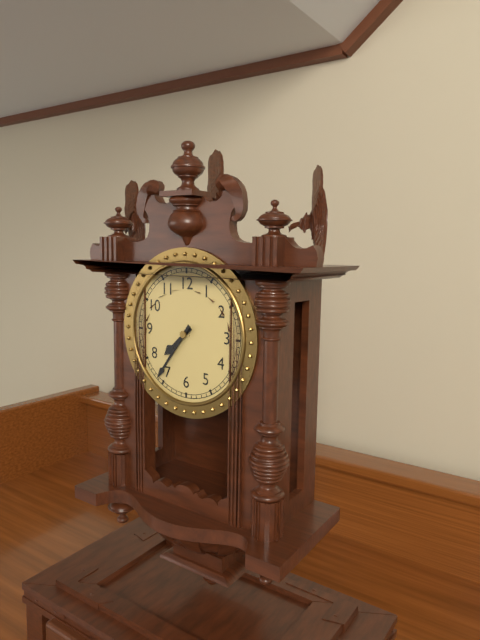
7:36
